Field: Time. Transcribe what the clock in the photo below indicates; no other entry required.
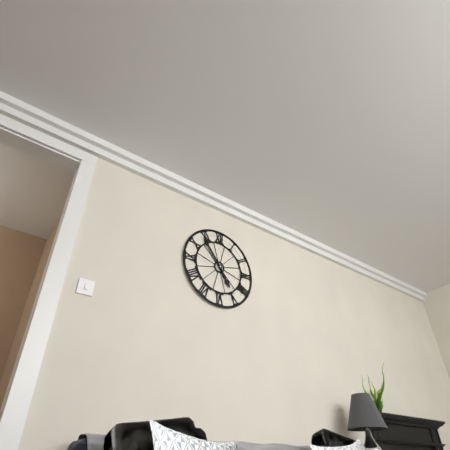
4:54
